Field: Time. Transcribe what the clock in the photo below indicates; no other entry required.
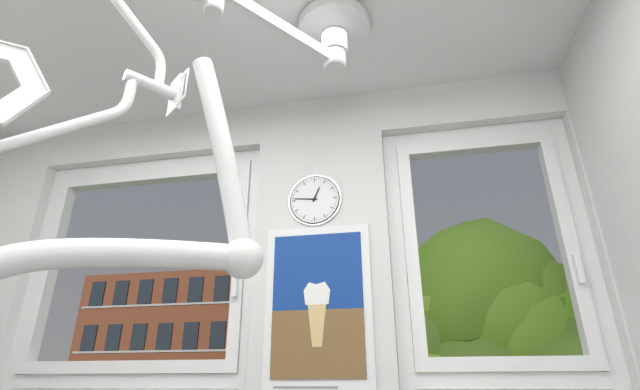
12:46
